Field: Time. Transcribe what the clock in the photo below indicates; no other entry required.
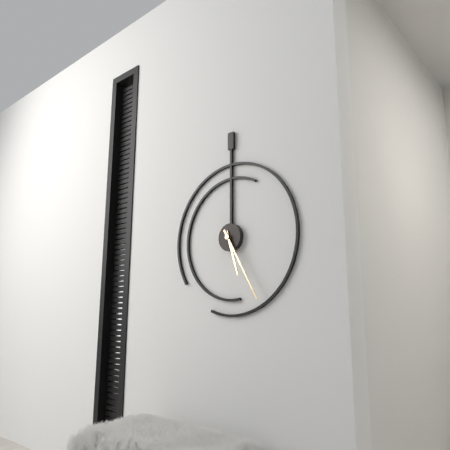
5:25
